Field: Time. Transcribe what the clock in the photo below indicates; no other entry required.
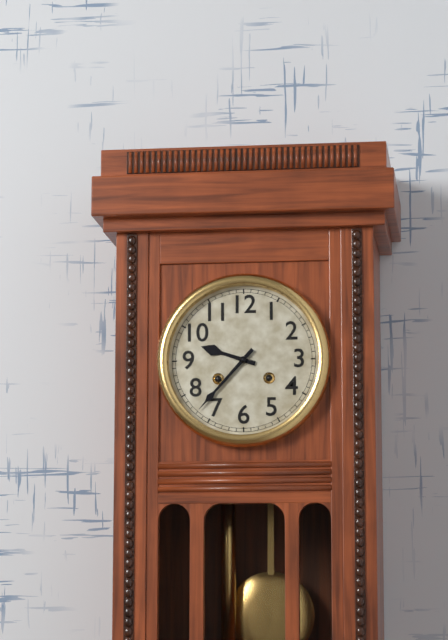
9:37
